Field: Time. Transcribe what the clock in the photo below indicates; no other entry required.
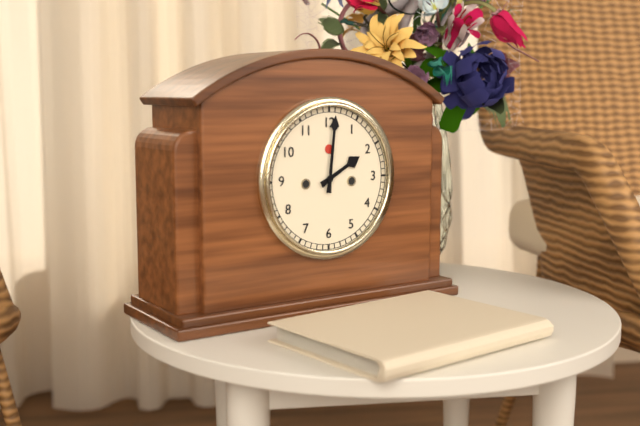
2:01
